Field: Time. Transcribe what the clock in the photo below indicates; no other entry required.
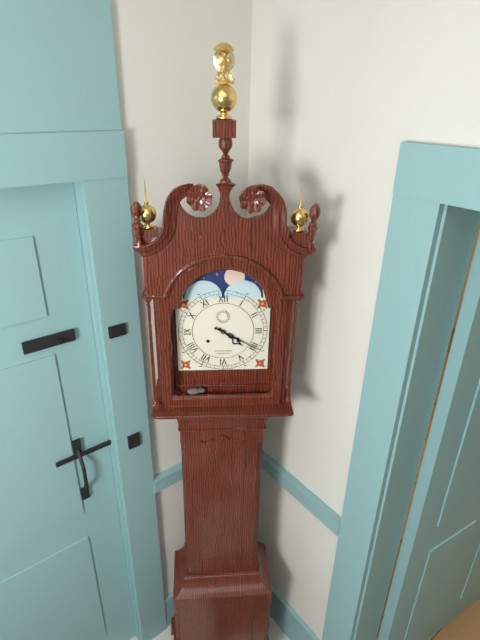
4:20
